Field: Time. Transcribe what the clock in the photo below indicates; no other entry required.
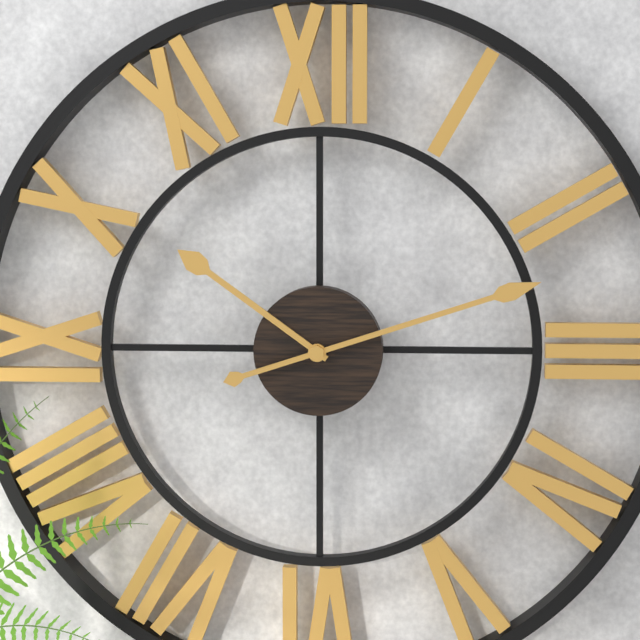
10:12
